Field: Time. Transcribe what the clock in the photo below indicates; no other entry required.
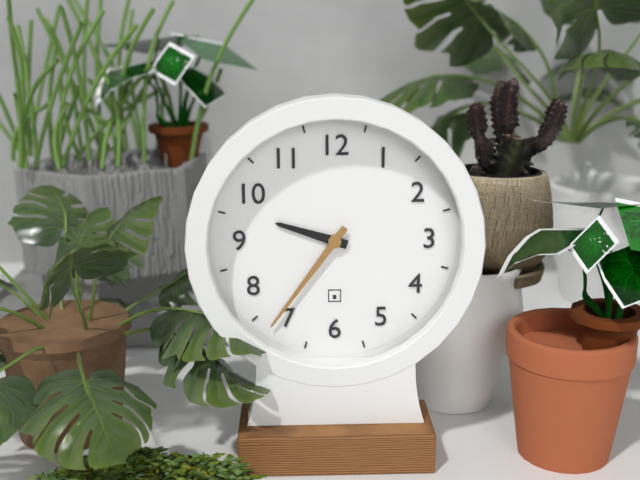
9:36
